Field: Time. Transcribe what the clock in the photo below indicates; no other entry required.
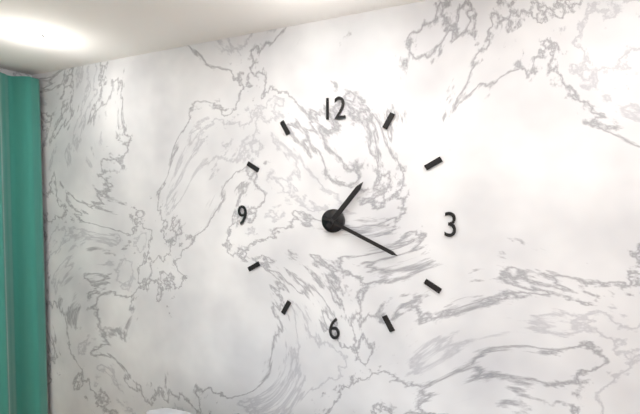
1:19
